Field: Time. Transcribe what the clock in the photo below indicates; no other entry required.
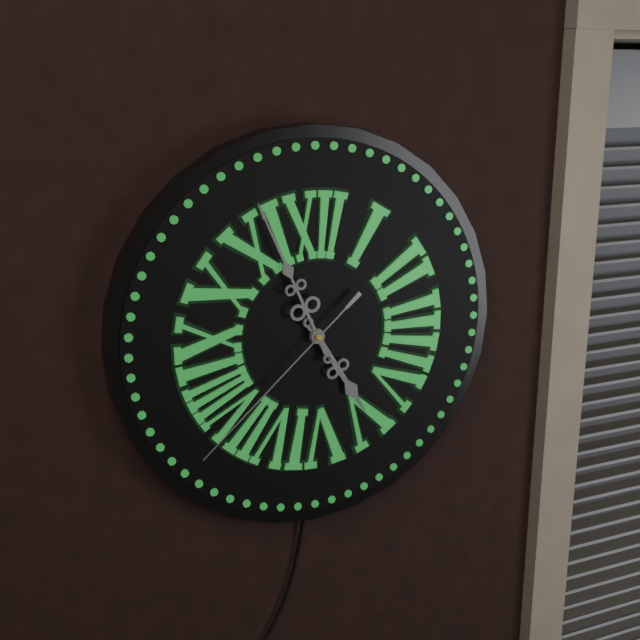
4:56:38
